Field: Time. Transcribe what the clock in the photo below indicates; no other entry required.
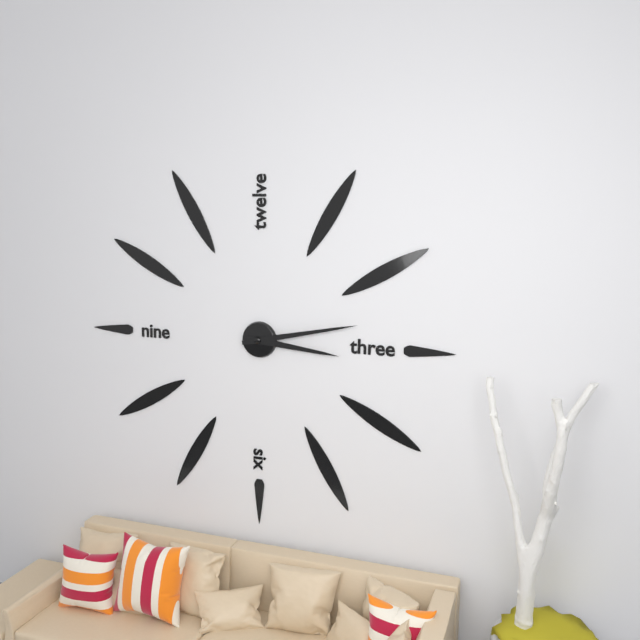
3:13
